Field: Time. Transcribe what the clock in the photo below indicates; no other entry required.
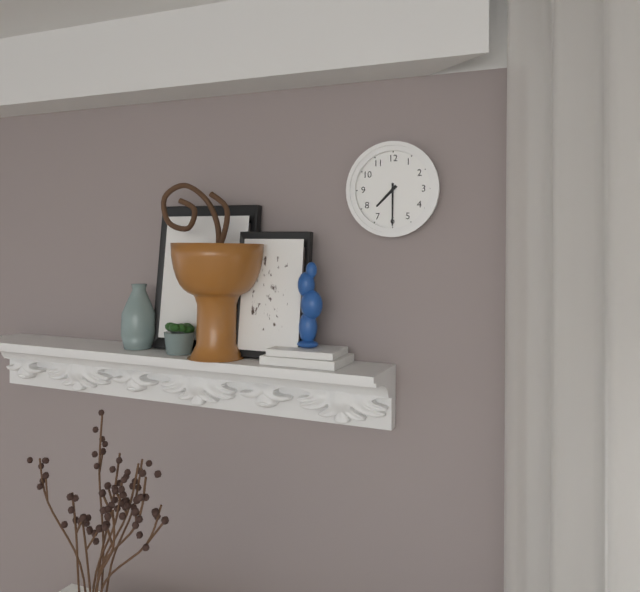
7:30
